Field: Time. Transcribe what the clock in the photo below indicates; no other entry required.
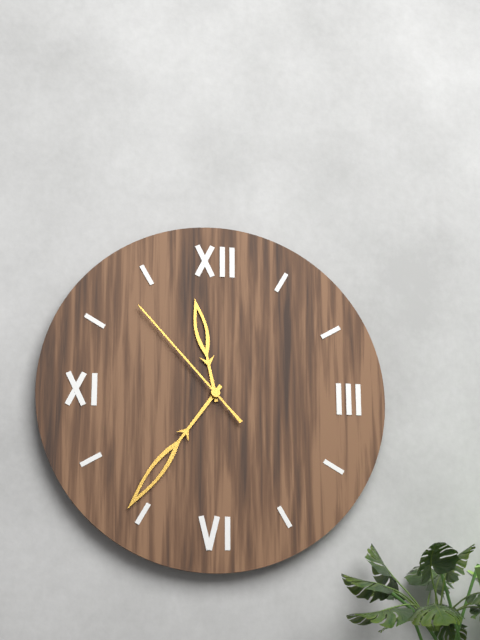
11:36:53
